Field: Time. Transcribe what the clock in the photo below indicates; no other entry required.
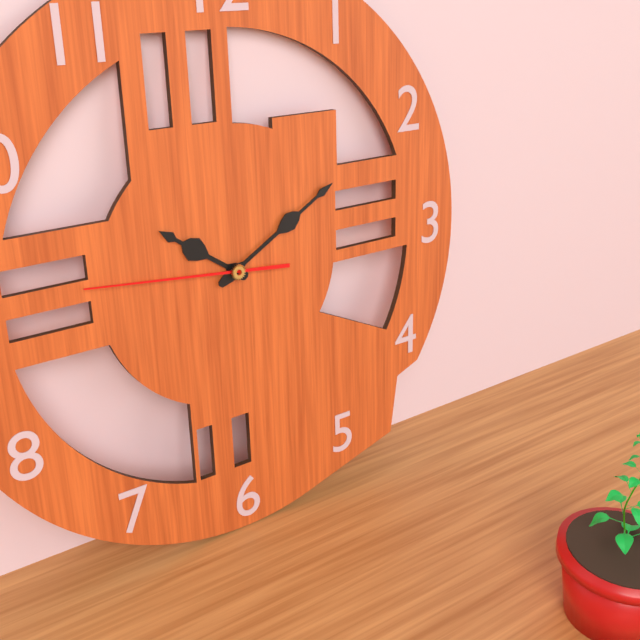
10:10:46
